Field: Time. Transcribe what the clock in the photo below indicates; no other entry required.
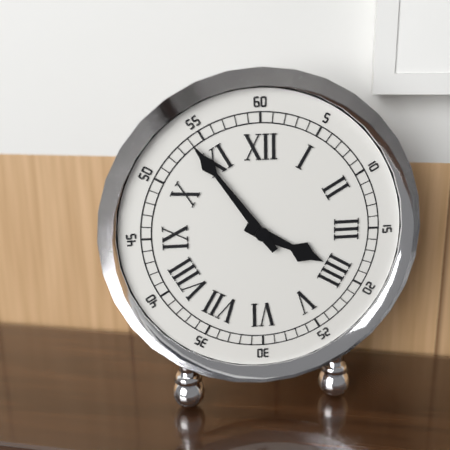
3:54
